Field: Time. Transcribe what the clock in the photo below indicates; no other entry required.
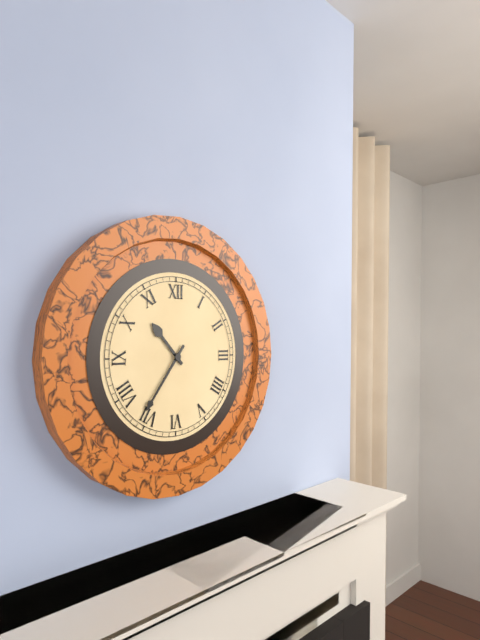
10:36
